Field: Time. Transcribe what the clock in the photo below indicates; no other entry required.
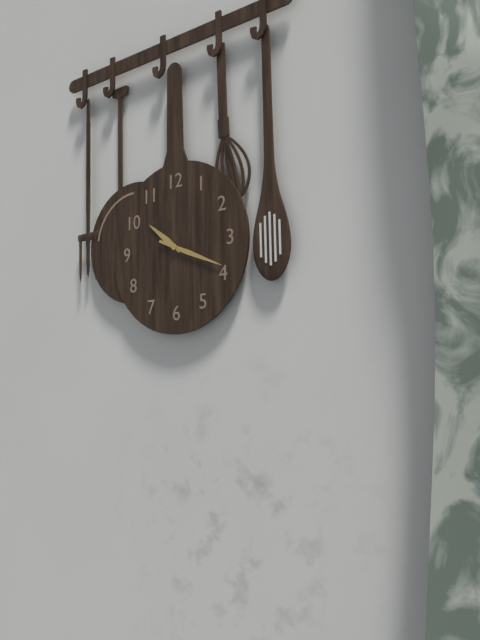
10:19
